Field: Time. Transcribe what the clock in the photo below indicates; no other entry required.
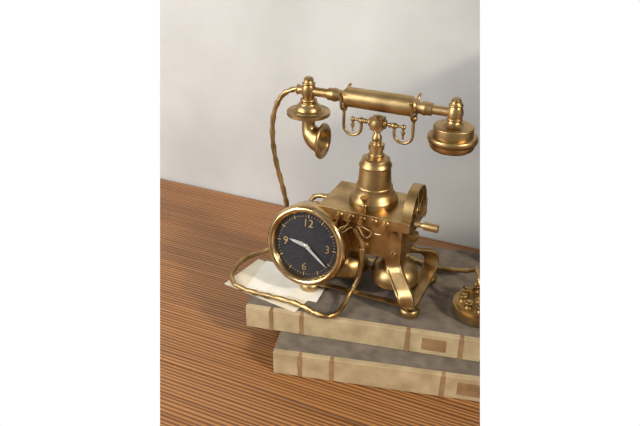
9:21
